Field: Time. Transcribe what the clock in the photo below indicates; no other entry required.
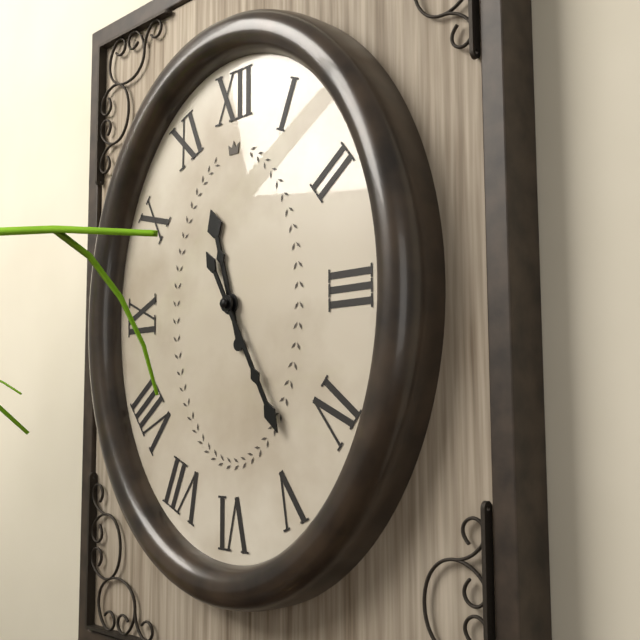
11:25
